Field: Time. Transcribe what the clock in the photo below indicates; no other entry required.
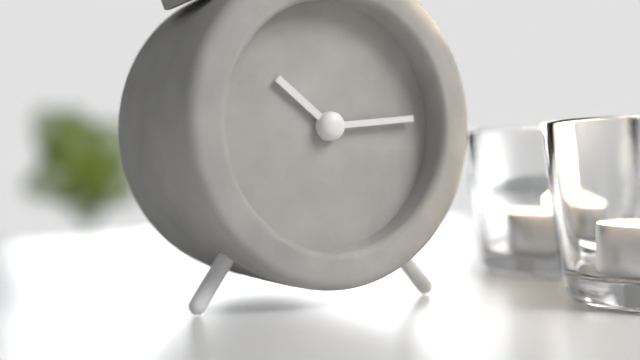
10:14
